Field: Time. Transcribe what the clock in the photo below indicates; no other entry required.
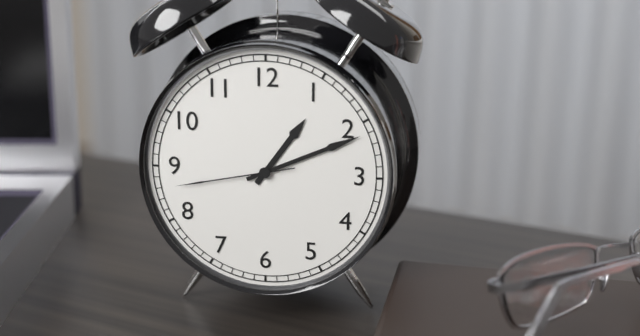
1:11:43
